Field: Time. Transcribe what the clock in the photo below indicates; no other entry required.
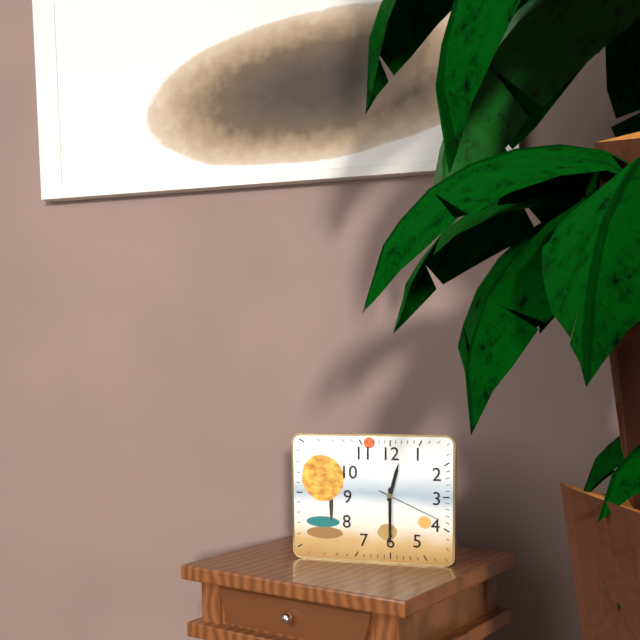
12:30:19
